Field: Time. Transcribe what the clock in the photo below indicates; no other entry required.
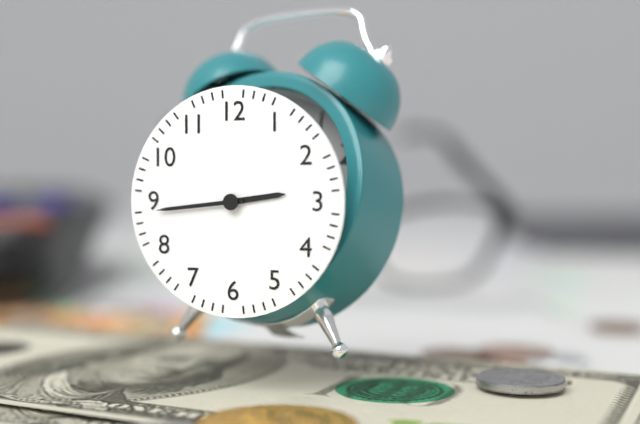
2:44
